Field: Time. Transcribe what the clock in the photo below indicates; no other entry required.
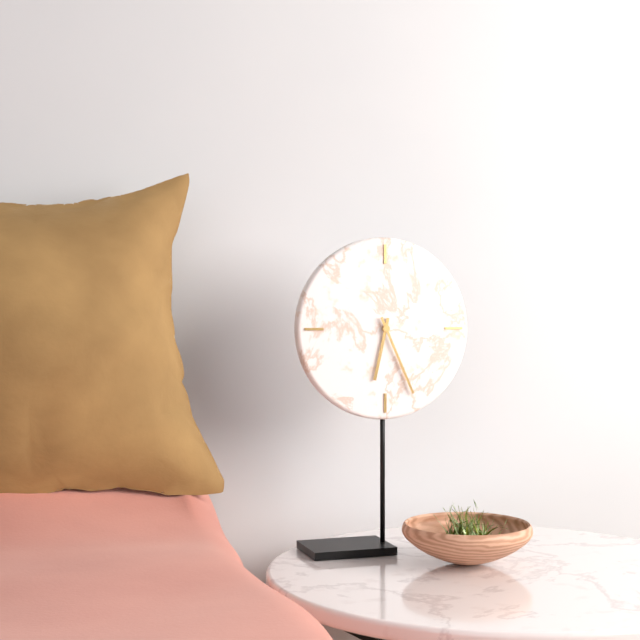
6:26
